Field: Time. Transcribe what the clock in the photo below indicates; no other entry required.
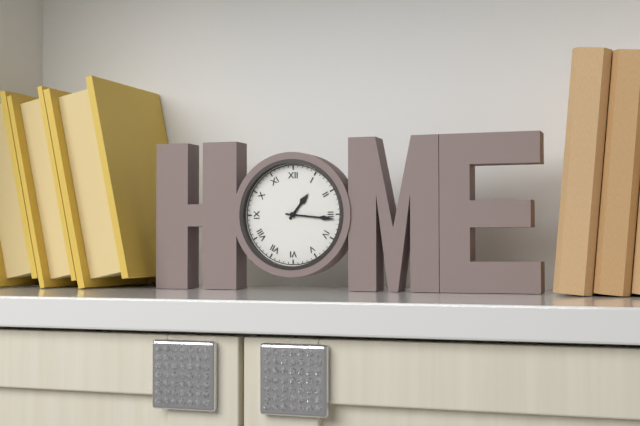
1:16
